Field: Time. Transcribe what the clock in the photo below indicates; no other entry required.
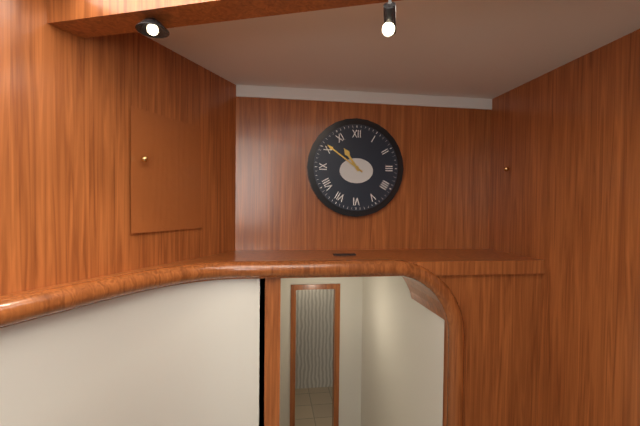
10:51
